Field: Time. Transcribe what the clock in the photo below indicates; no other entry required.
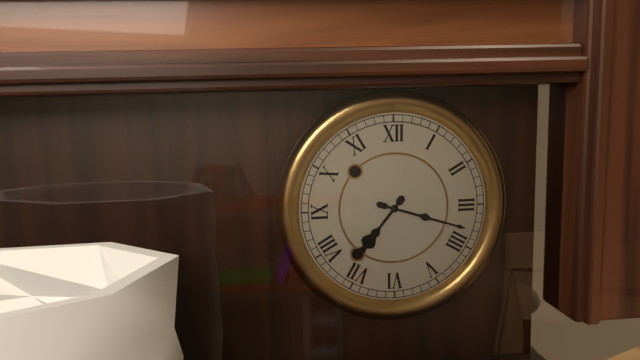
7:18
